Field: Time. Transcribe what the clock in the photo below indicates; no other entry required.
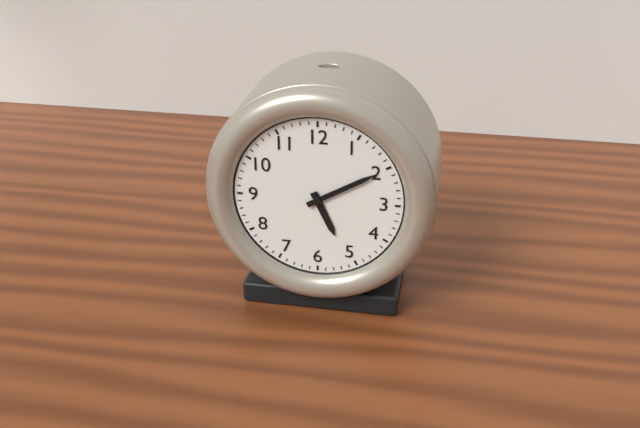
5:10
